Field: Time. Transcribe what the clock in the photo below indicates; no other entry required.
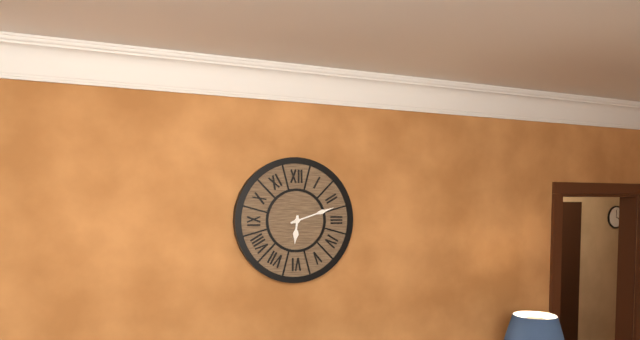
6:12
